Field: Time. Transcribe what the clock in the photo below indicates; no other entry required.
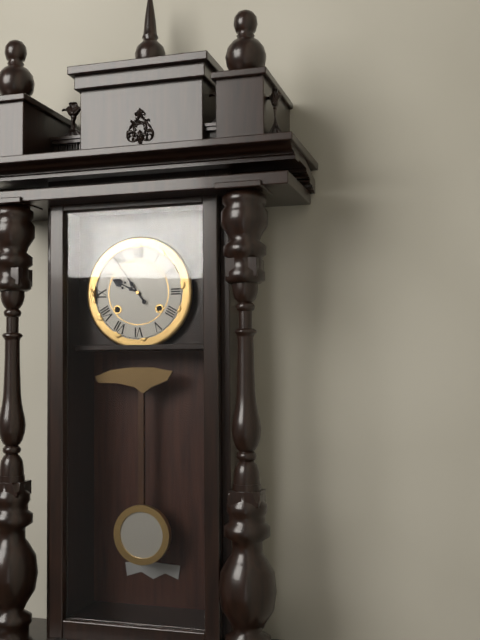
9:54
